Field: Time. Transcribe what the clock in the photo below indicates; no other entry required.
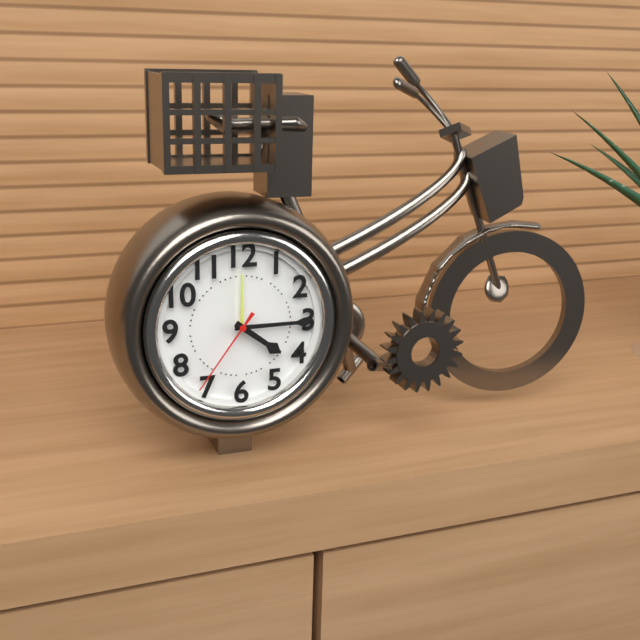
4:15:36
